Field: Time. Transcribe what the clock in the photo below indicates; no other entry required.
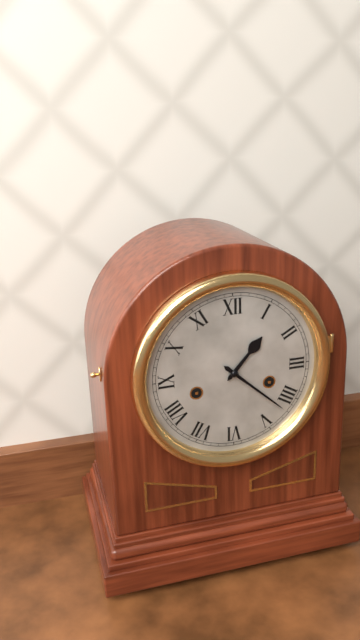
1:22
